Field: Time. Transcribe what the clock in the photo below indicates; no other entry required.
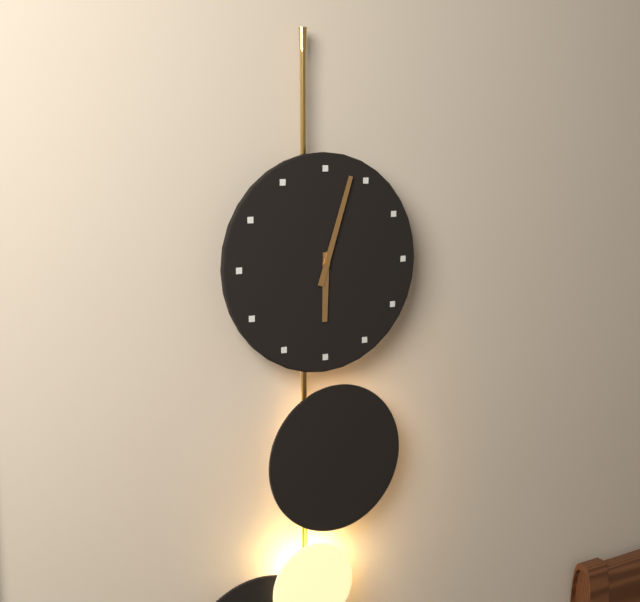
6:03
